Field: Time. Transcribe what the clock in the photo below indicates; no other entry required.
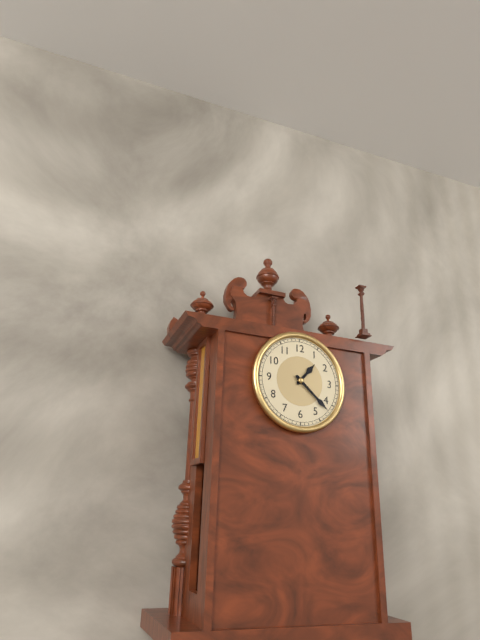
1:22
